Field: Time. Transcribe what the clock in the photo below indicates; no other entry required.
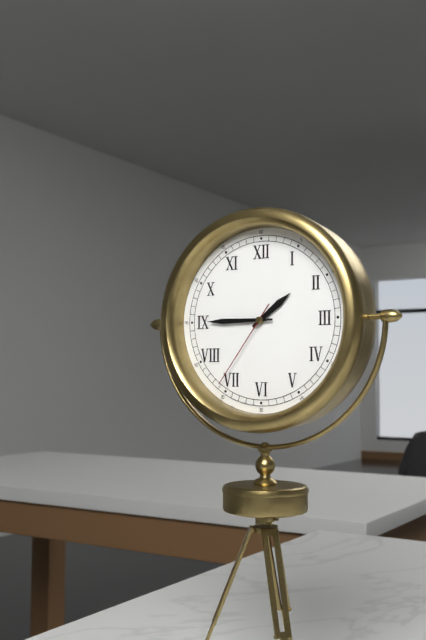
1:45:36
